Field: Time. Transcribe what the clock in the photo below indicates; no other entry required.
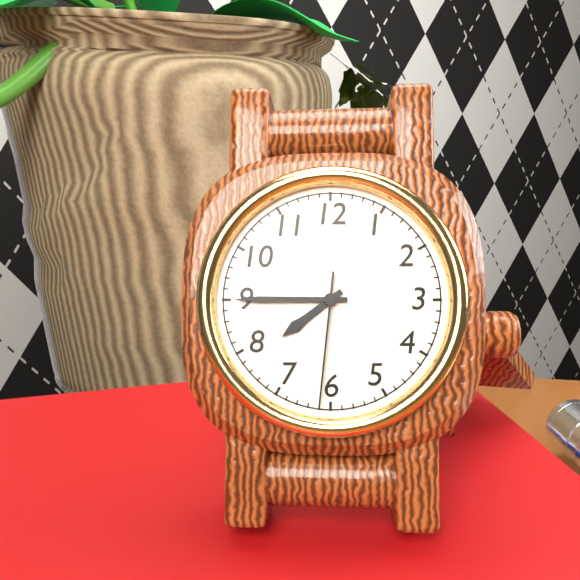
7:45:31
